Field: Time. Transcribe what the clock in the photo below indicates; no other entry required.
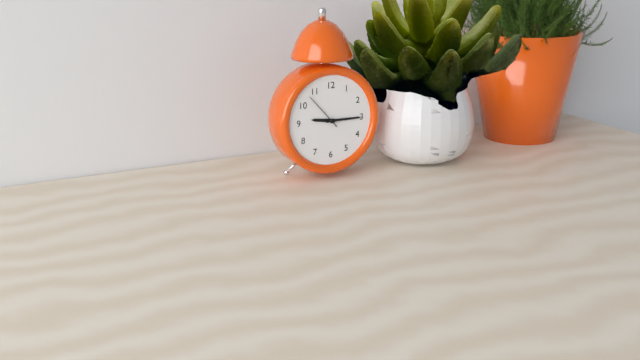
9:15
